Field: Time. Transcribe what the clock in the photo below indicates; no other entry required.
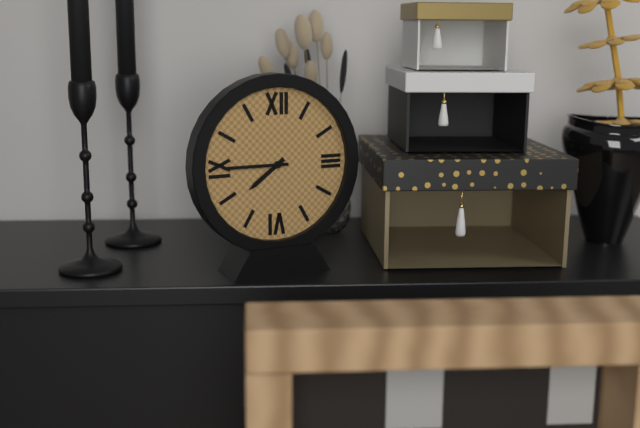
7:45
